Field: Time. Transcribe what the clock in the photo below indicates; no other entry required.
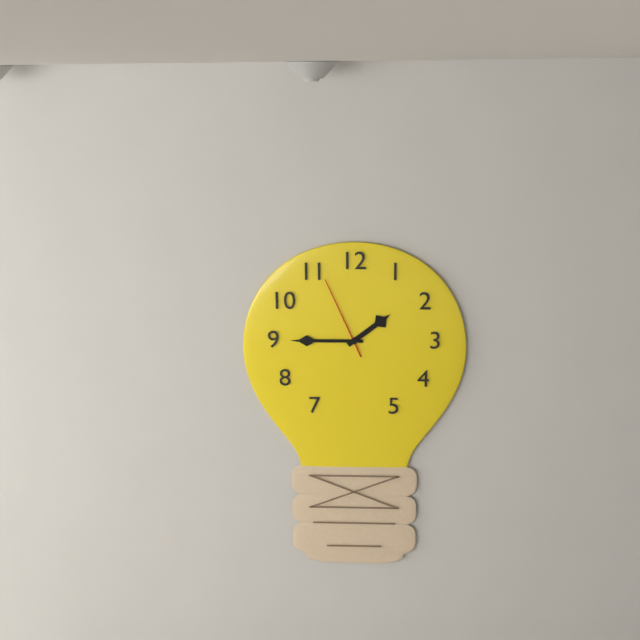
1:45:56
